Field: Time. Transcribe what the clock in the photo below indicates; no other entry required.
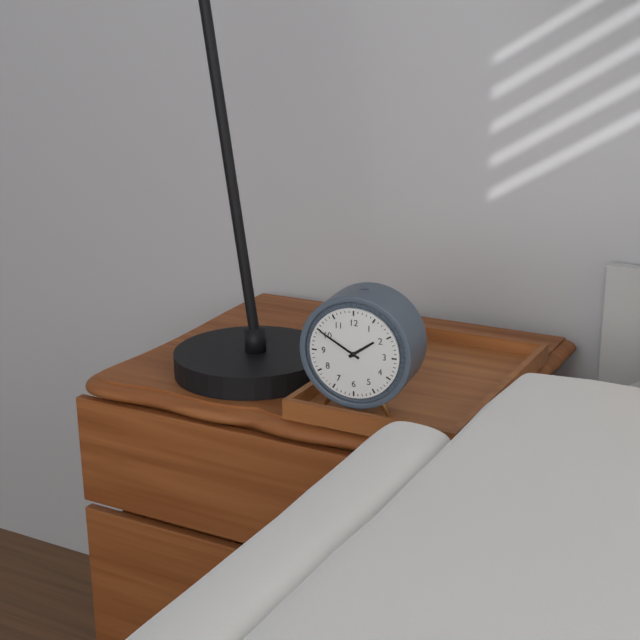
1:50
